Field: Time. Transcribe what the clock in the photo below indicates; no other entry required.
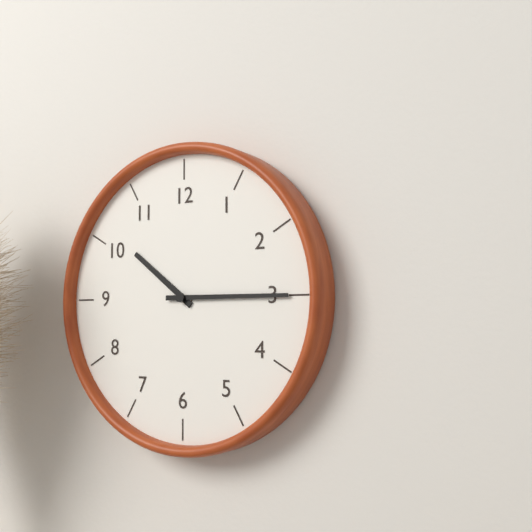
10:15
